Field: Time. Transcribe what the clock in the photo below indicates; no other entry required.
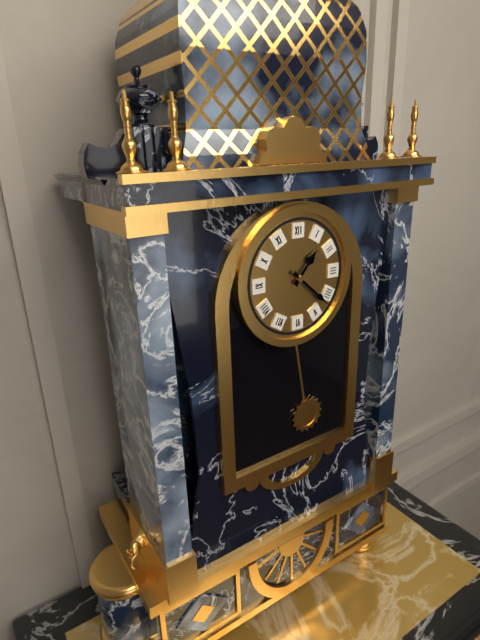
1:22
